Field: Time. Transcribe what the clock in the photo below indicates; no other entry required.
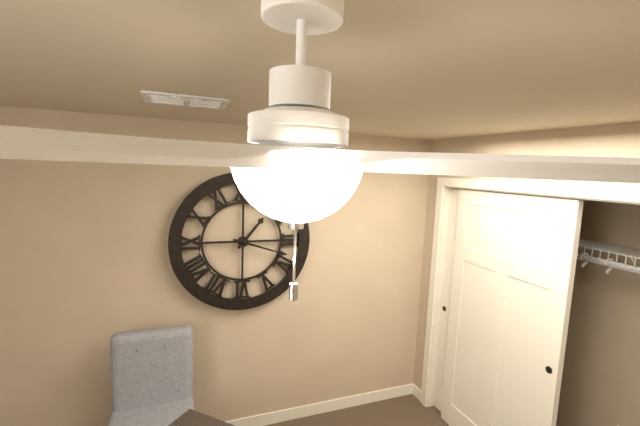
1:18
